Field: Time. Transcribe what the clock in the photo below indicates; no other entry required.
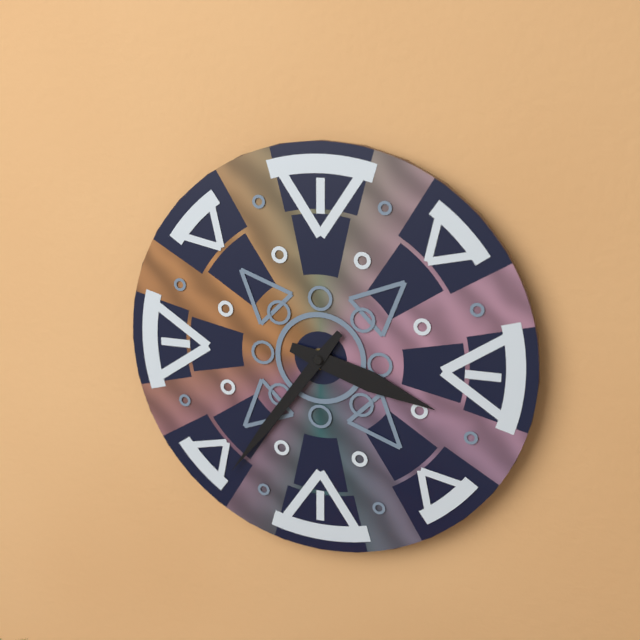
3:36
